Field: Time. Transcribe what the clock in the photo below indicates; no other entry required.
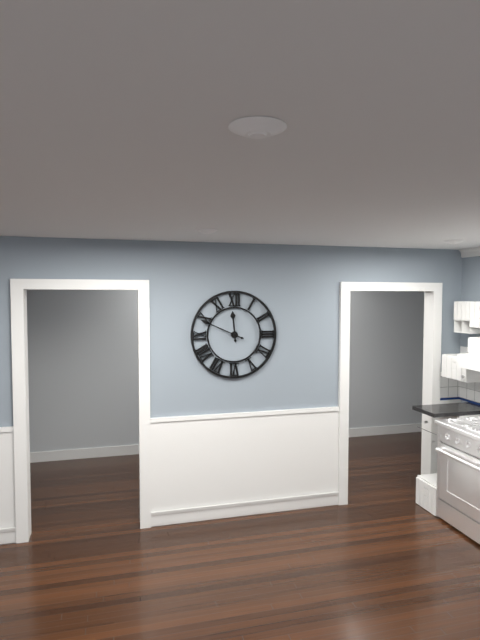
11:49
